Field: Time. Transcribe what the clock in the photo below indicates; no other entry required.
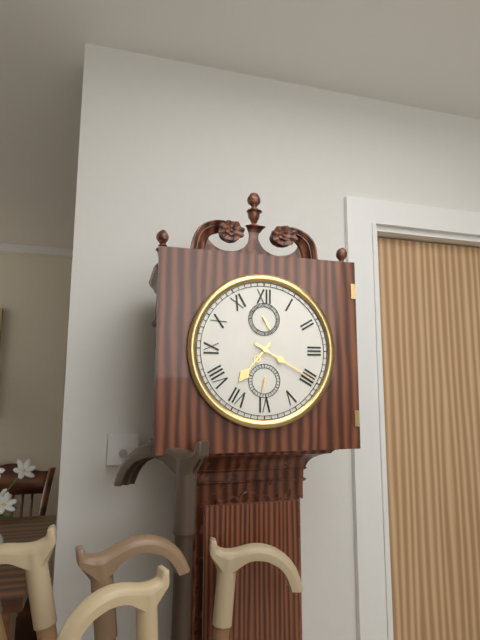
7:20
